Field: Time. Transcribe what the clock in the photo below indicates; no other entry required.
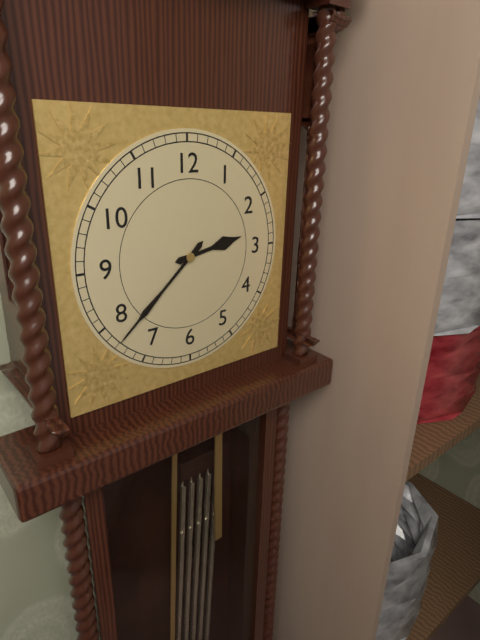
2:38
